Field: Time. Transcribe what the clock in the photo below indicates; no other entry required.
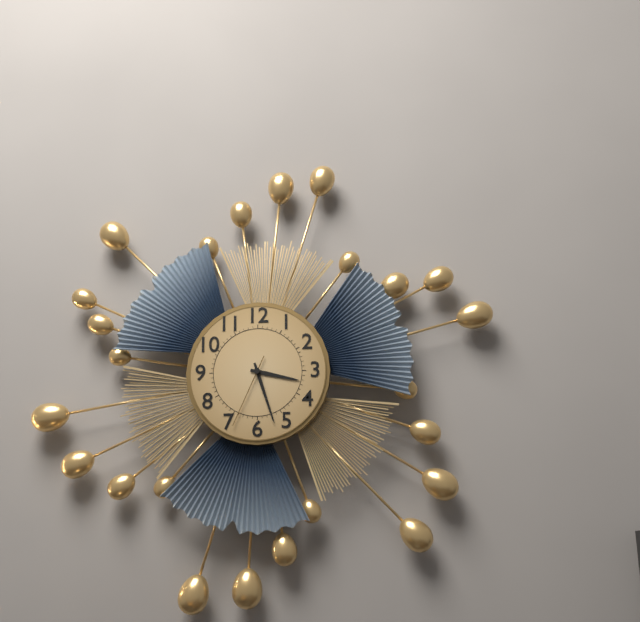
3:27:34
